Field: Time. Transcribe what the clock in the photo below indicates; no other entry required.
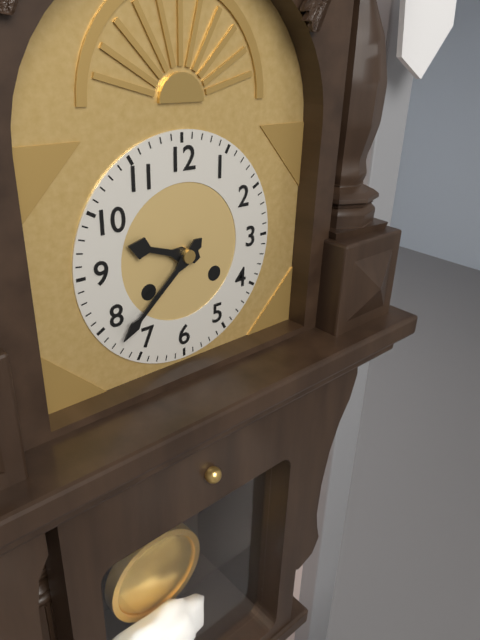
9:38
